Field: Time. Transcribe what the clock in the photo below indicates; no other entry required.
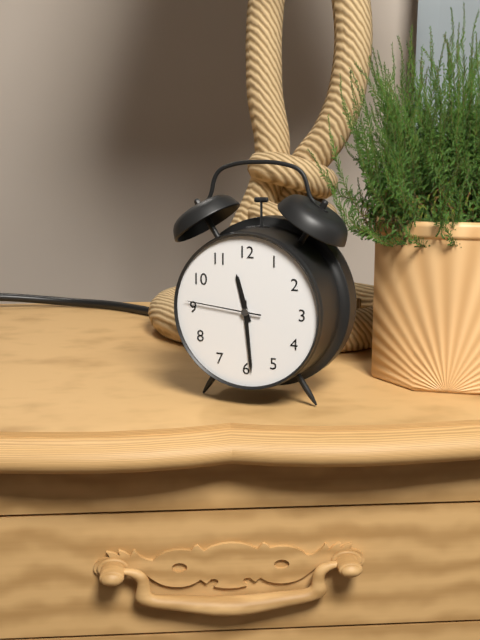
11:29:46
